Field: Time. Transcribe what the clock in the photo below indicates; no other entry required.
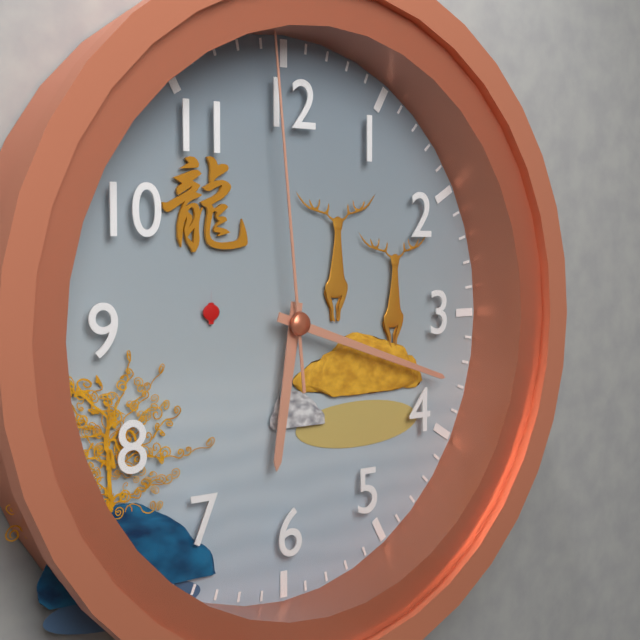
6:18:59
